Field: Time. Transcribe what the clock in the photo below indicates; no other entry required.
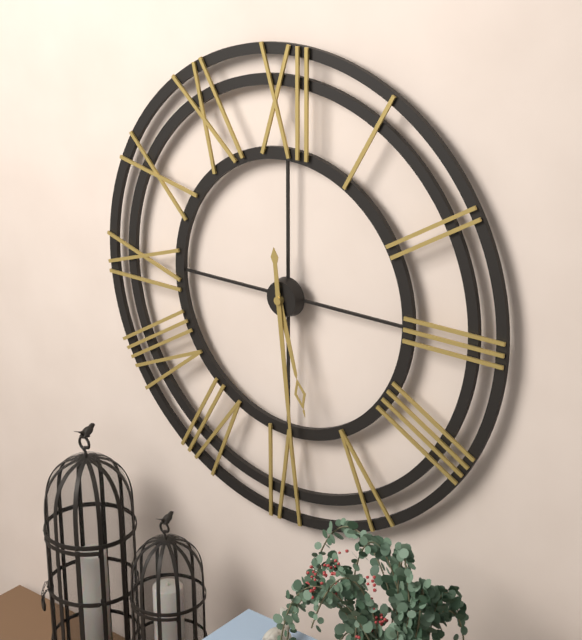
5:29
